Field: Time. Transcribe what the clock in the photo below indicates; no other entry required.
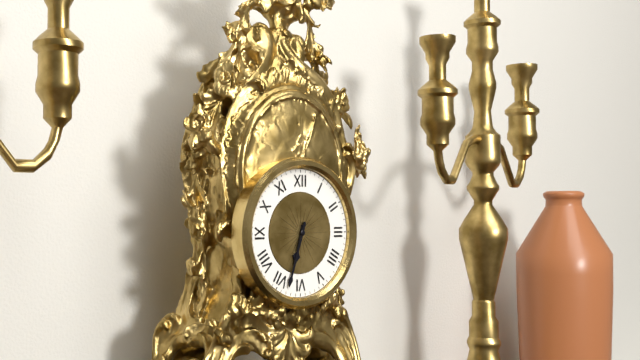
6:33
